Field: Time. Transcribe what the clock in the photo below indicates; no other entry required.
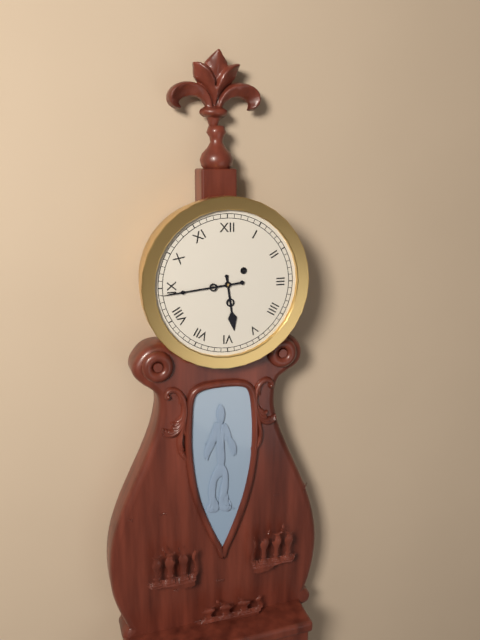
5:44
